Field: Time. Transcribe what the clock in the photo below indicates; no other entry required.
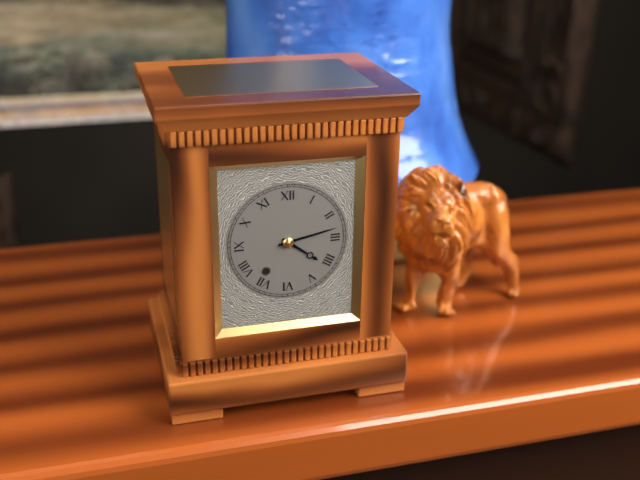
4:13
